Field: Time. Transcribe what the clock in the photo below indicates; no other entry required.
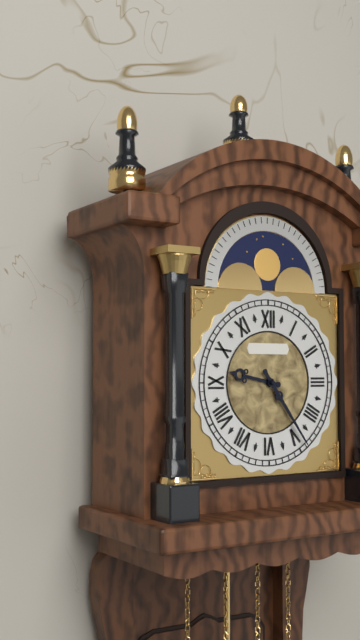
9:24
